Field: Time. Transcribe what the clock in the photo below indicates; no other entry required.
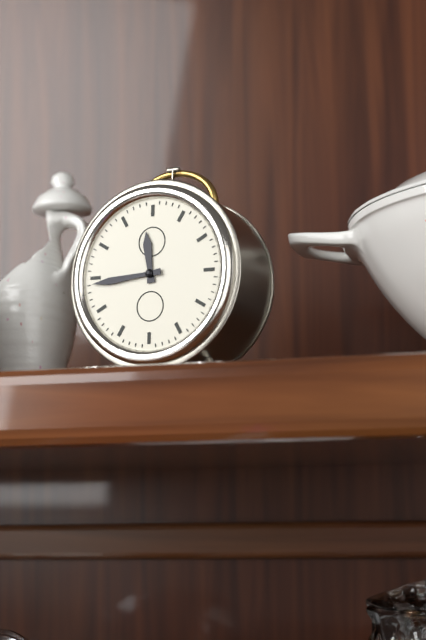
11:44
